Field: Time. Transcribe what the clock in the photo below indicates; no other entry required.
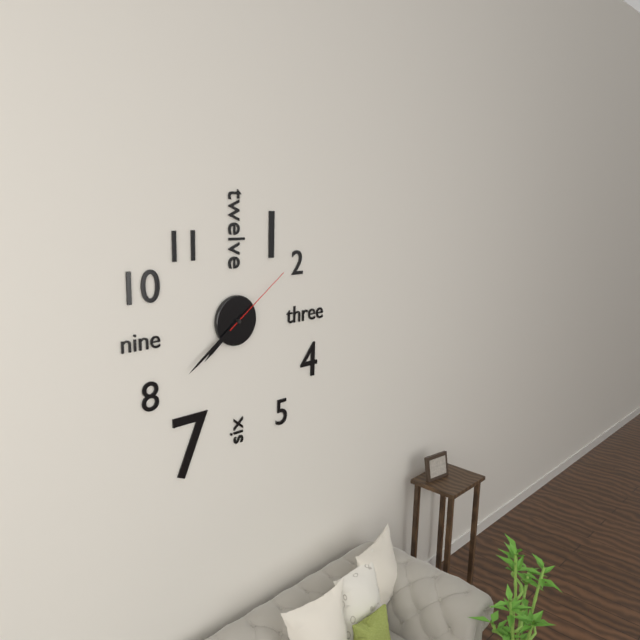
7:39:09
